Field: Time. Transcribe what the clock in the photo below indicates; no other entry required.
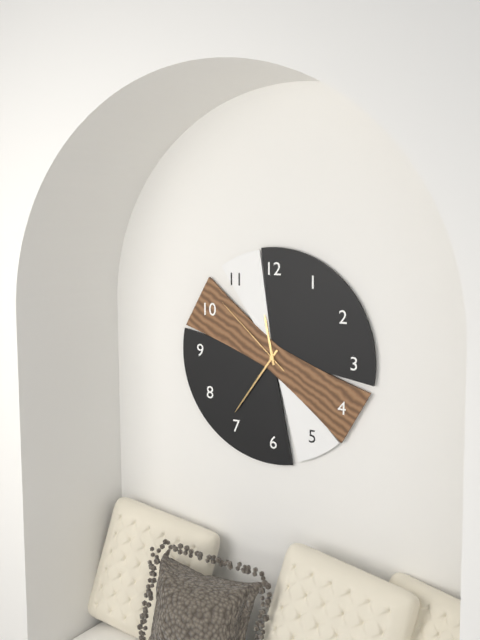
11:36:52
